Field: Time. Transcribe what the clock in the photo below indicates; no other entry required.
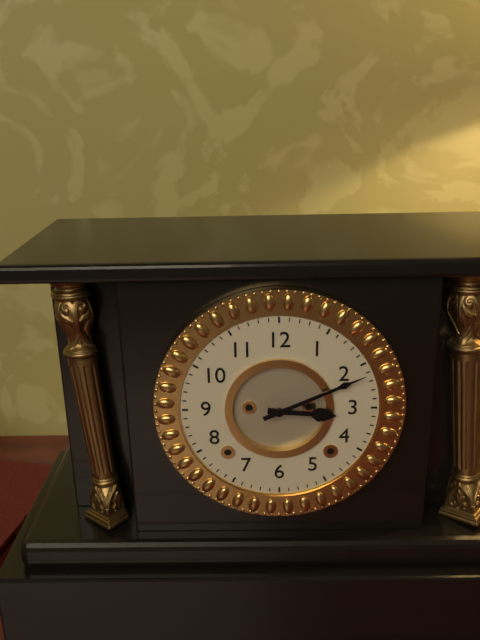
3:11
